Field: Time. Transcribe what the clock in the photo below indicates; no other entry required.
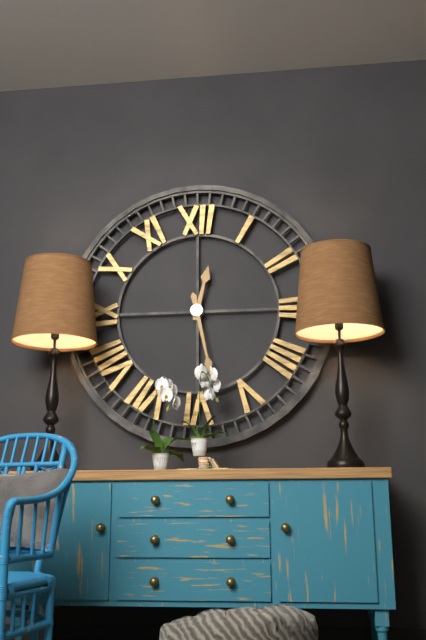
12:28
